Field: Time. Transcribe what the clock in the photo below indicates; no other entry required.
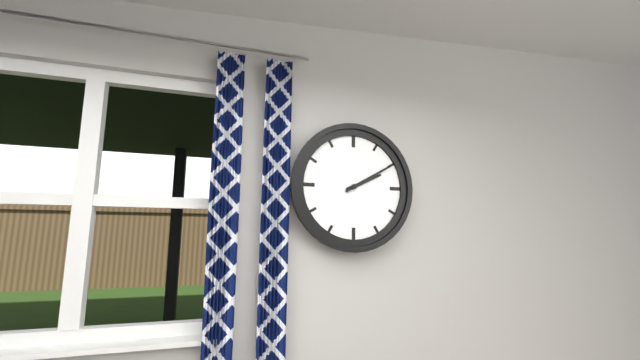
2:10
